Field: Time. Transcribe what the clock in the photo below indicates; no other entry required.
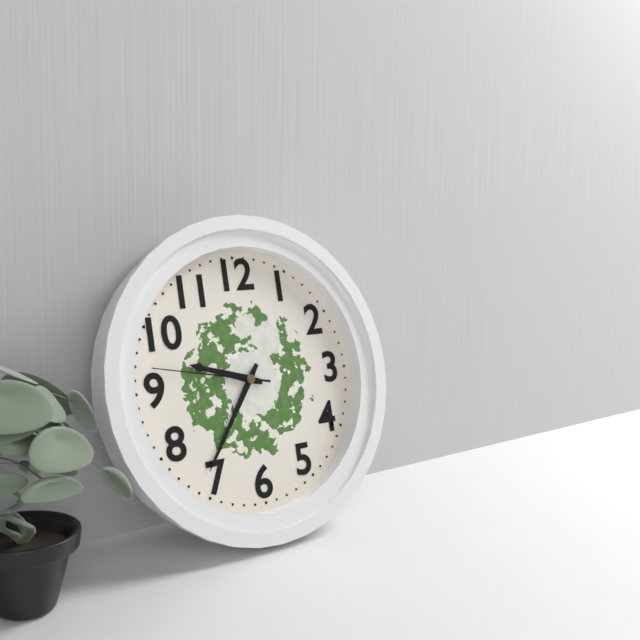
9:36:47
